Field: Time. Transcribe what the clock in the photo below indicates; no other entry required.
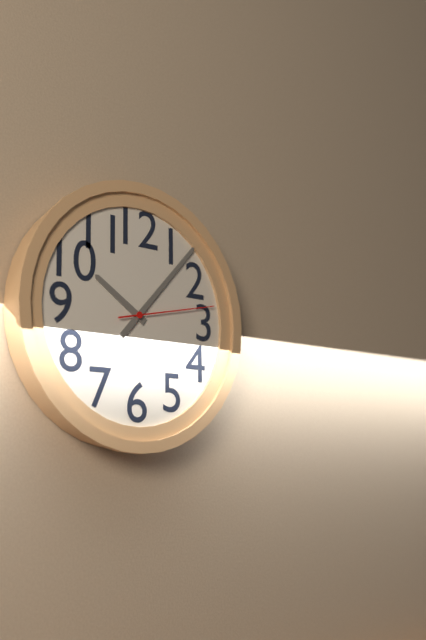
10:07:13
